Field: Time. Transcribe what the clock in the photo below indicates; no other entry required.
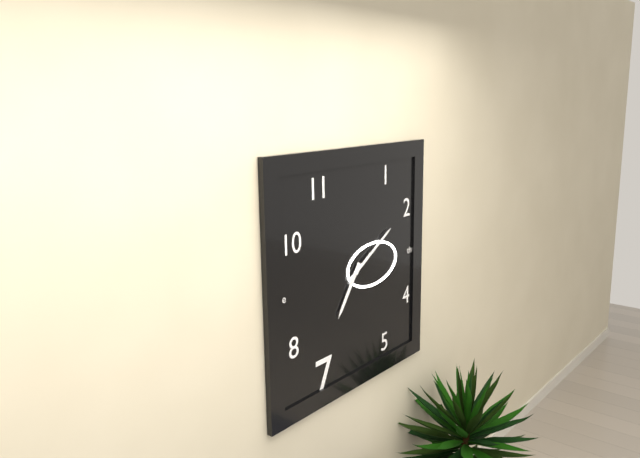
7:10
